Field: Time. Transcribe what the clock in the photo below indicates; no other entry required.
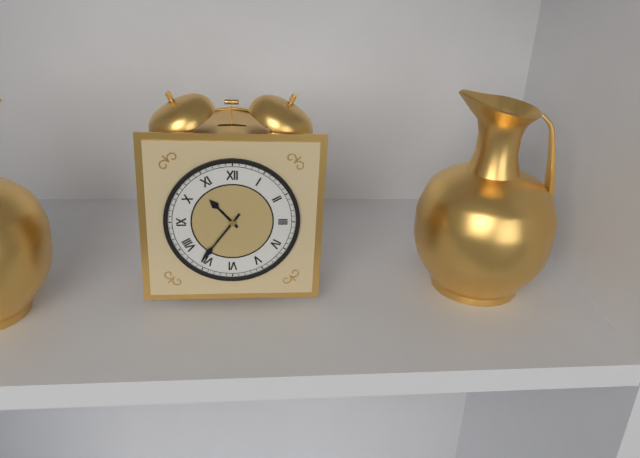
10:36
